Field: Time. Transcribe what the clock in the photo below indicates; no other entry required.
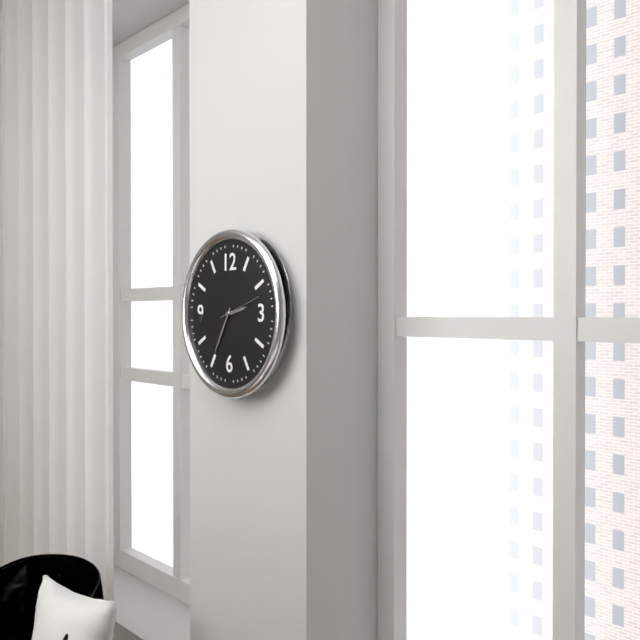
2:35
